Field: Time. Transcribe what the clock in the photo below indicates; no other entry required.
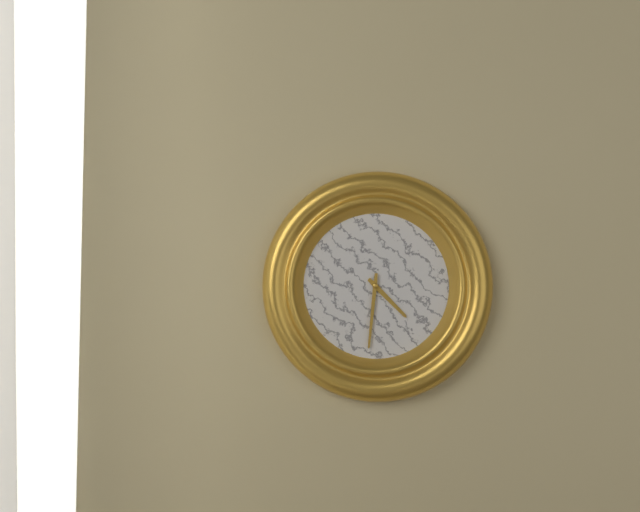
4:31
